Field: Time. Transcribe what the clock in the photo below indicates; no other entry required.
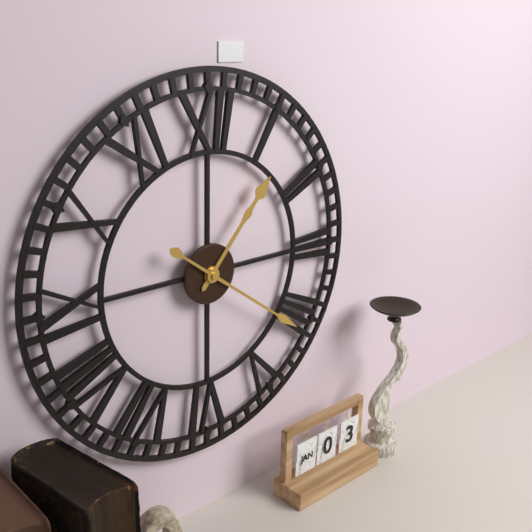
1:21
